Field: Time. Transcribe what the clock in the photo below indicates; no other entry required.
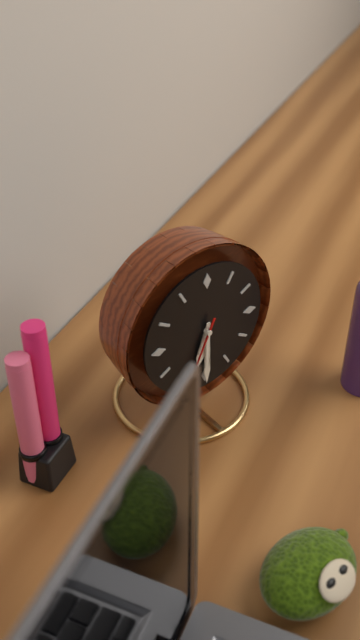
6:30
